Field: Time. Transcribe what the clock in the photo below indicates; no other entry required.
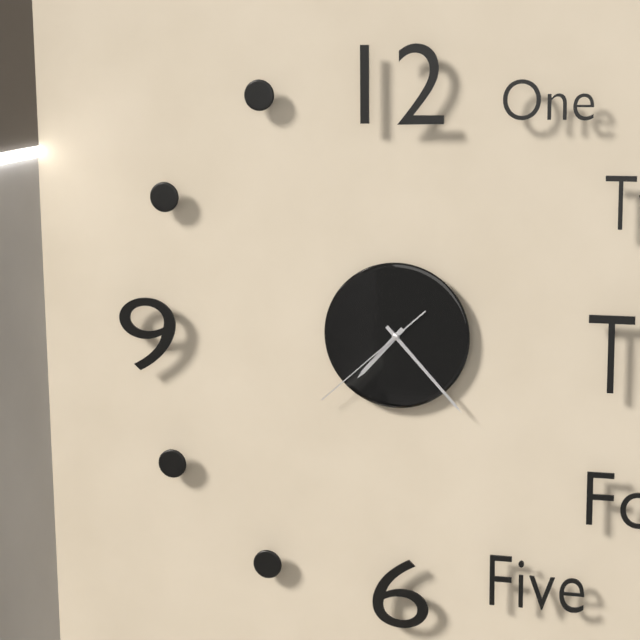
7:23:38
